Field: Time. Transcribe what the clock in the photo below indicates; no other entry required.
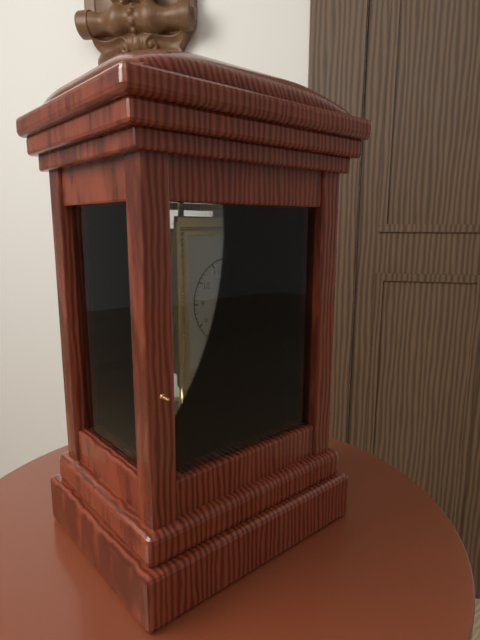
11:34
